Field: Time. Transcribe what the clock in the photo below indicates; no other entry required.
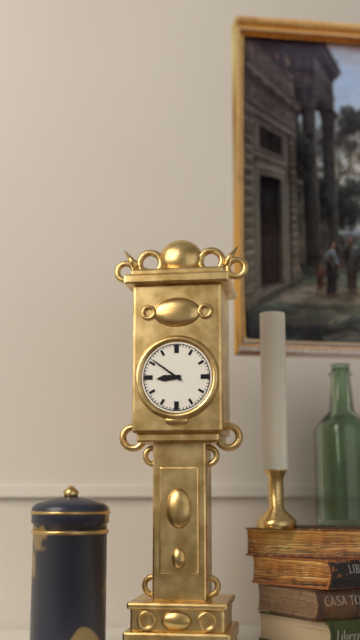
8:51
